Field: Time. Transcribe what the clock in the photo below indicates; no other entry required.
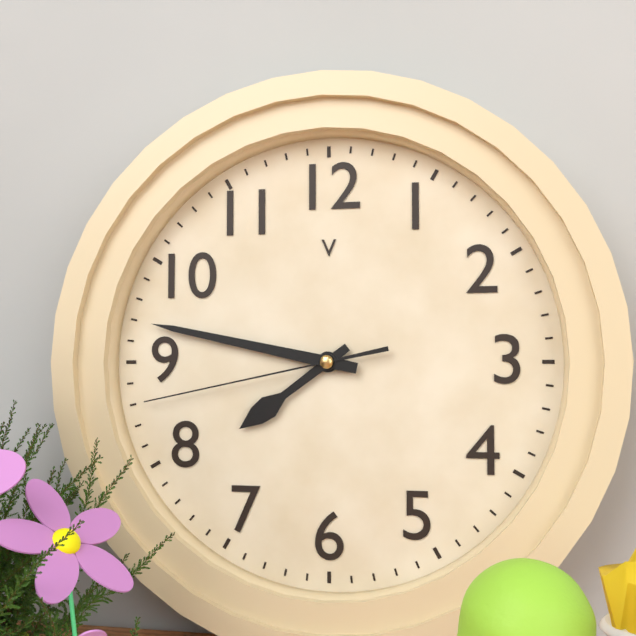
7:47:43
